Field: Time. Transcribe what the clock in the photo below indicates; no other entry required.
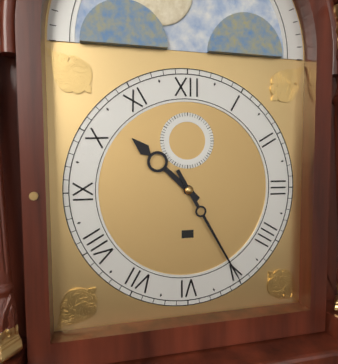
10:25
